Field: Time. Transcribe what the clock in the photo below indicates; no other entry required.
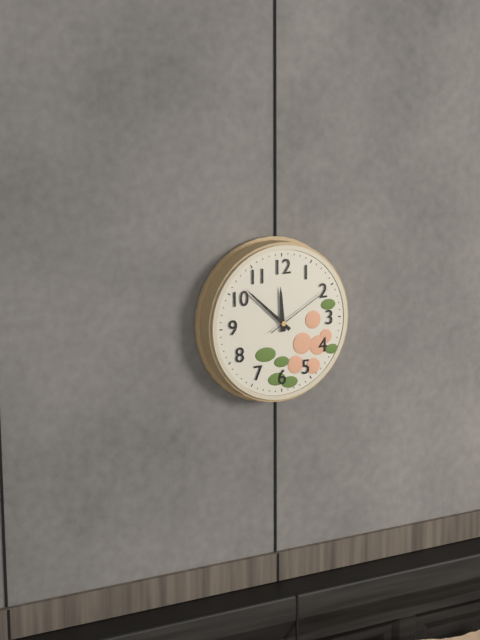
11:52:10
